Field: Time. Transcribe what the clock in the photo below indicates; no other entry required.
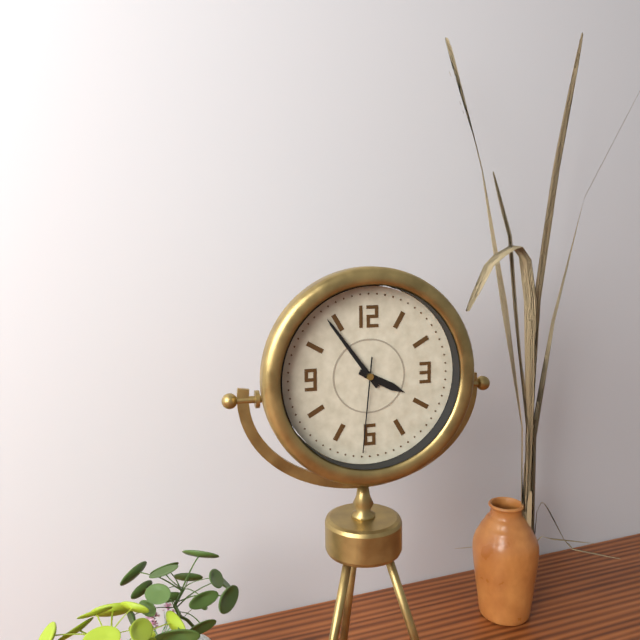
3:54:31
